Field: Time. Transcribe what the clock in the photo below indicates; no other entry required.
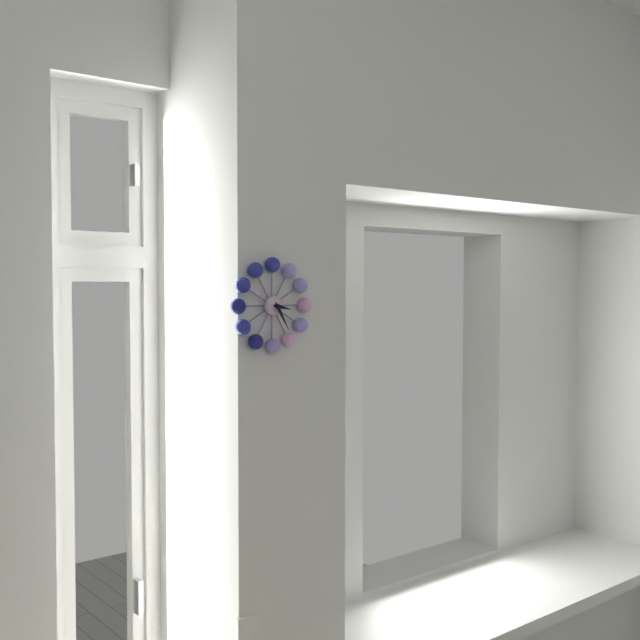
3:25
